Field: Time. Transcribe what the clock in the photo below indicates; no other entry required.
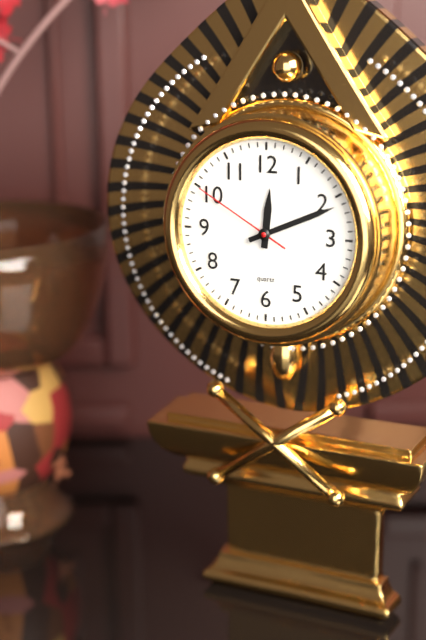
12:11:50
